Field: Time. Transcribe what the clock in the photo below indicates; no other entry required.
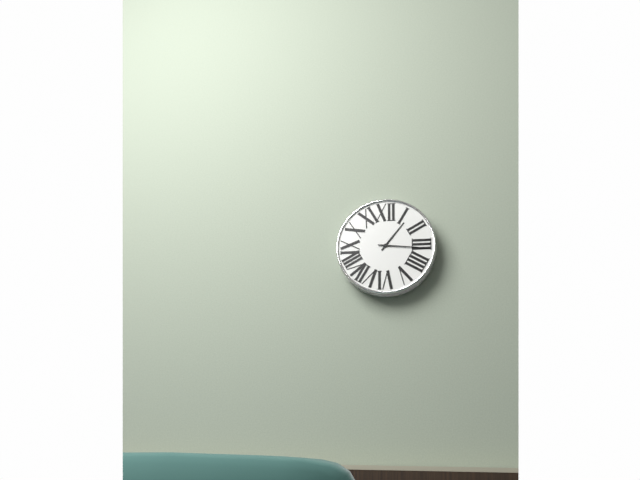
1:16
